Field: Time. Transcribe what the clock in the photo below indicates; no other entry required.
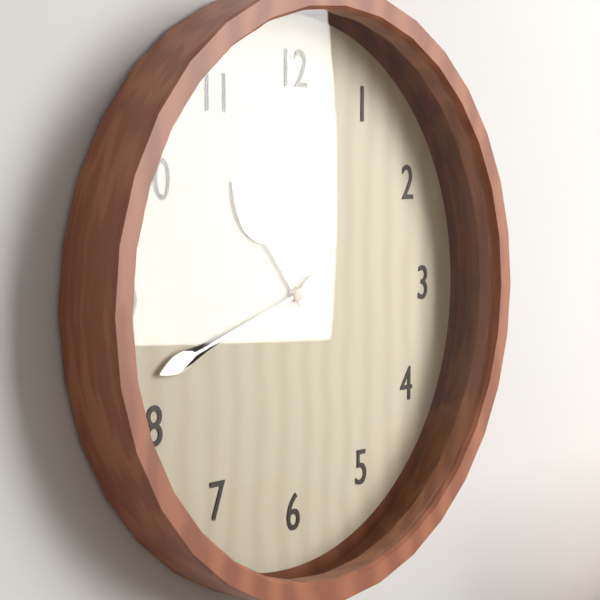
10:42
